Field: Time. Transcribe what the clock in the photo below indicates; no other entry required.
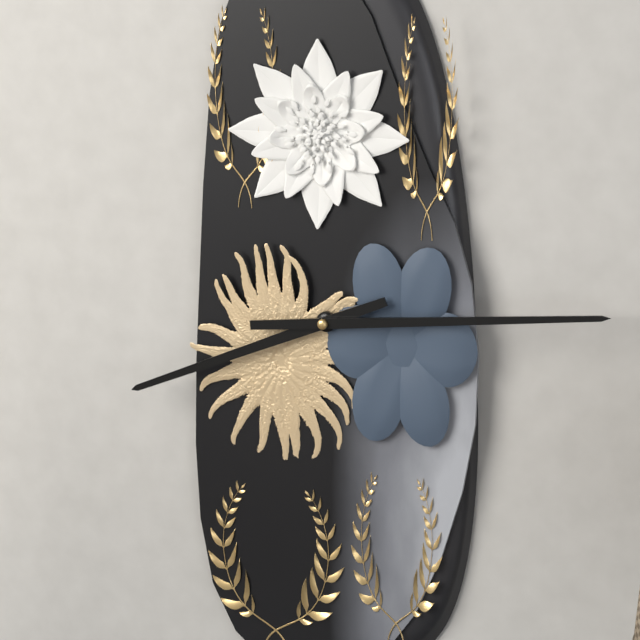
8:14
